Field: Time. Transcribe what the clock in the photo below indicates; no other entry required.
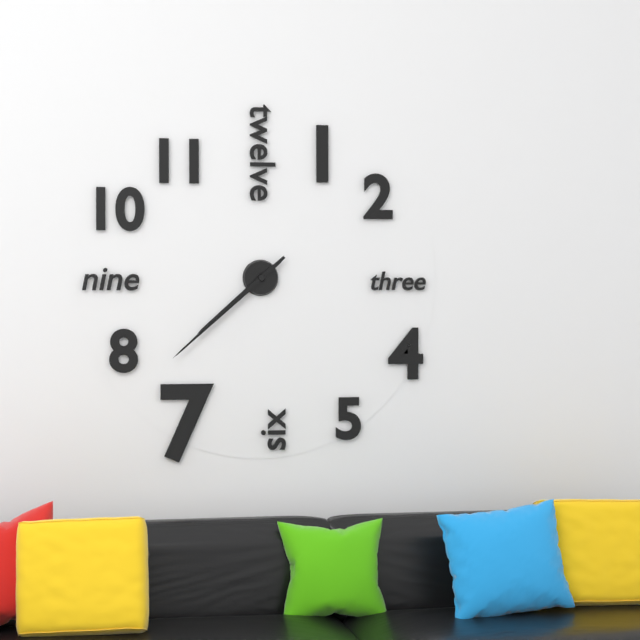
7:38
